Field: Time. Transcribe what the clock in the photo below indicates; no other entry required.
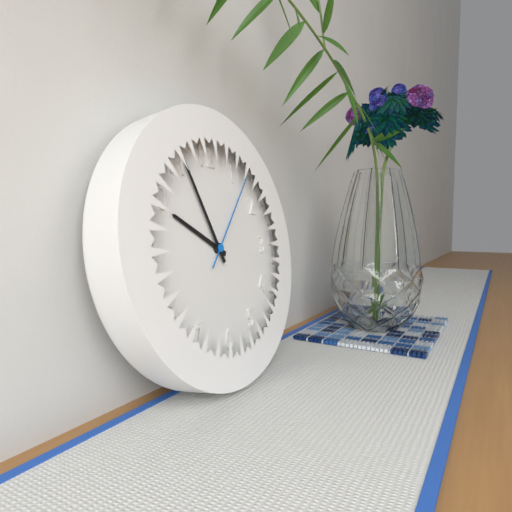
9:56:07
